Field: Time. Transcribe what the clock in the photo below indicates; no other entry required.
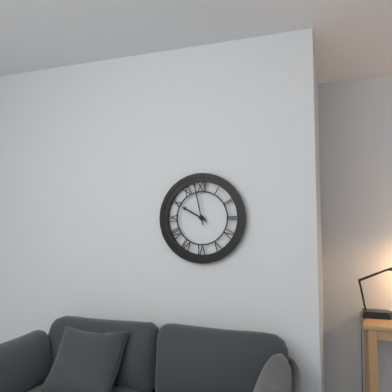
9:58
